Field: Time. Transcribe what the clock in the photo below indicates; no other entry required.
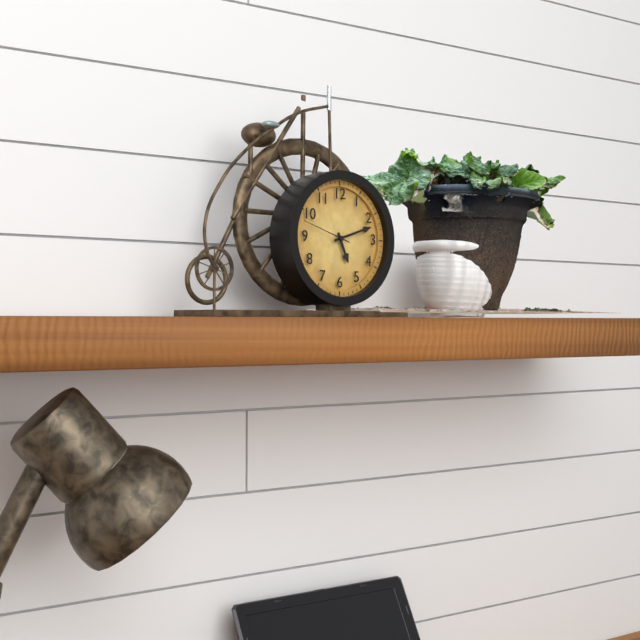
5:12
